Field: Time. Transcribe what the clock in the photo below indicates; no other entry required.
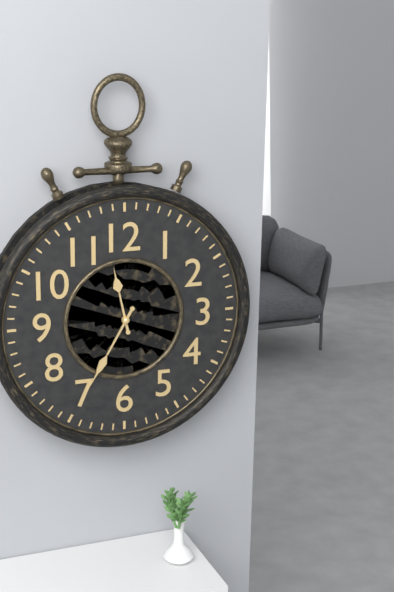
11:35
